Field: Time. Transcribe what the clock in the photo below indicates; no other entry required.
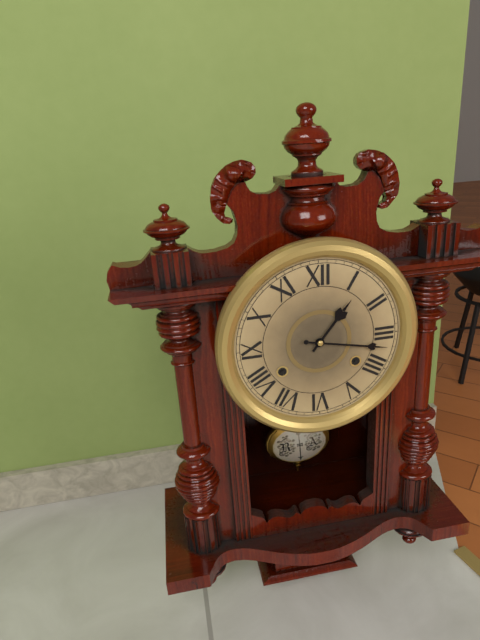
1:17
